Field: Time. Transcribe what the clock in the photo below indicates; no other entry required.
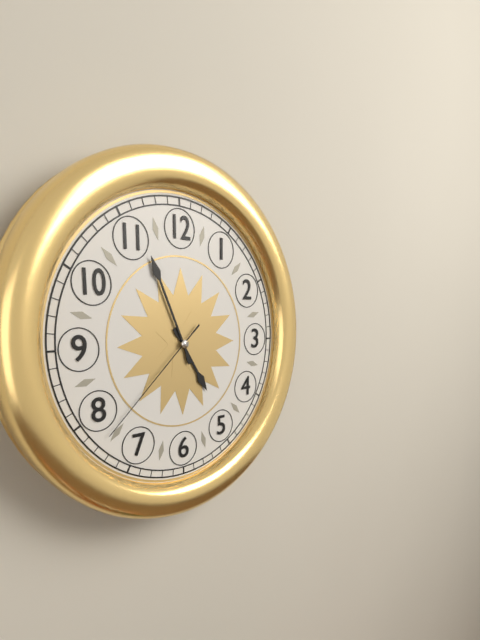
4:56:38
